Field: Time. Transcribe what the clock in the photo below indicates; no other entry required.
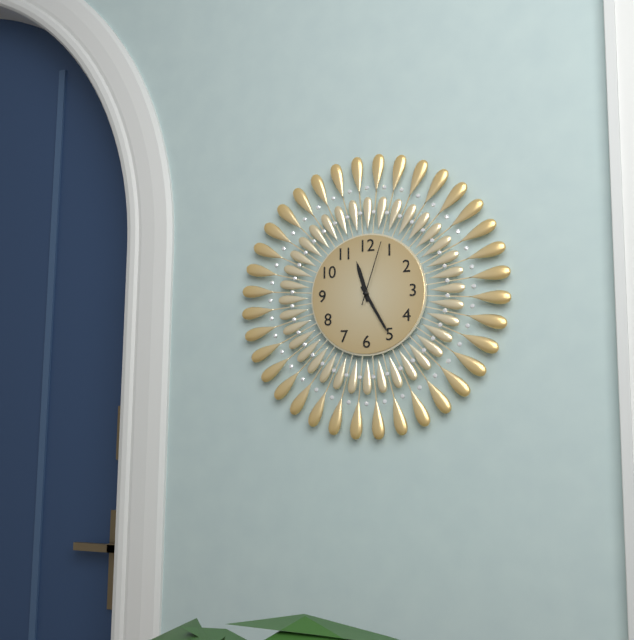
11:25:03
